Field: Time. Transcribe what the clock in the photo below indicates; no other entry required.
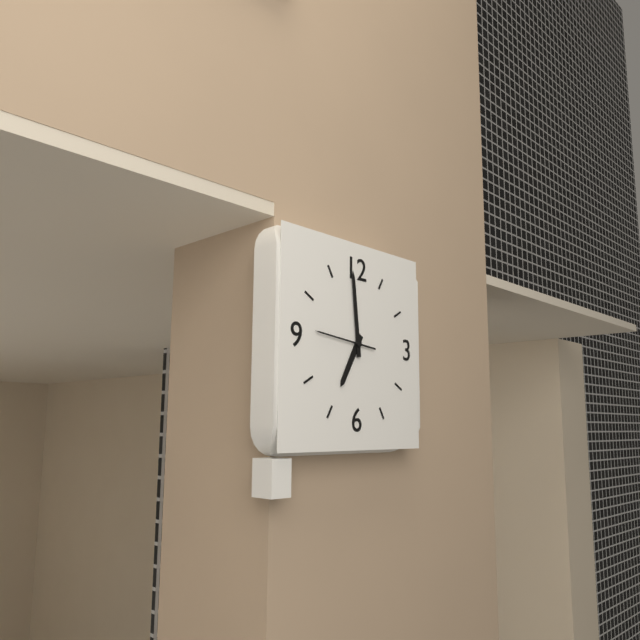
6:59:46
